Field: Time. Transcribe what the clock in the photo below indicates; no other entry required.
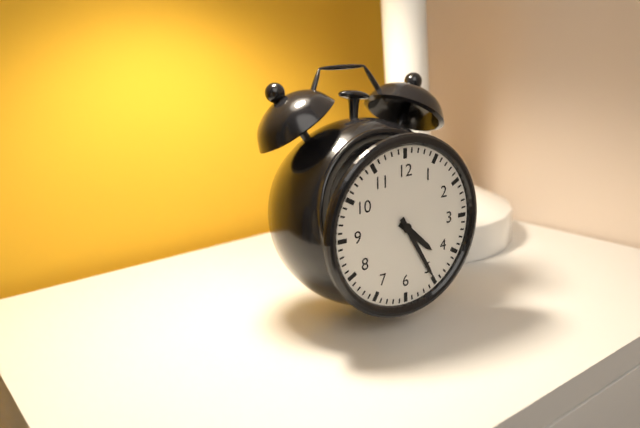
4:25
